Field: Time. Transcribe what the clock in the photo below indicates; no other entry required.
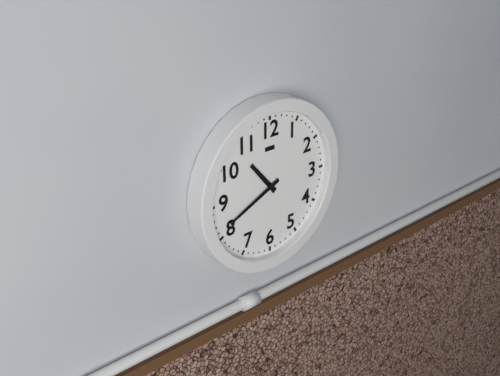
10:41
